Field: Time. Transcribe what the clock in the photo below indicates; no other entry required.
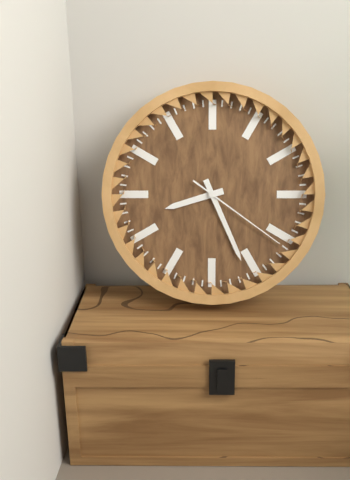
8:26:21
